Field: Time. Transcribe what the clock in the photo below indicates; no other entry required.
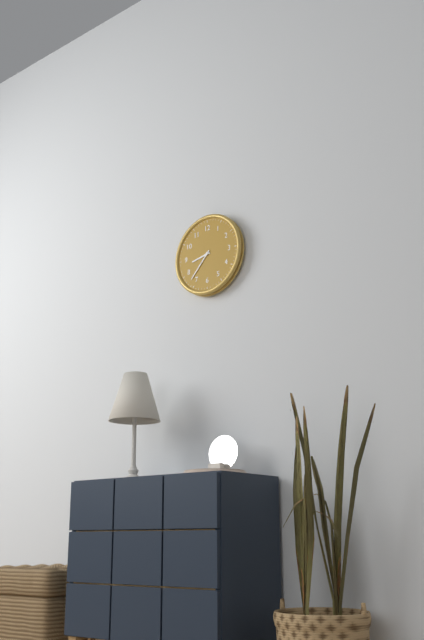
8:37
